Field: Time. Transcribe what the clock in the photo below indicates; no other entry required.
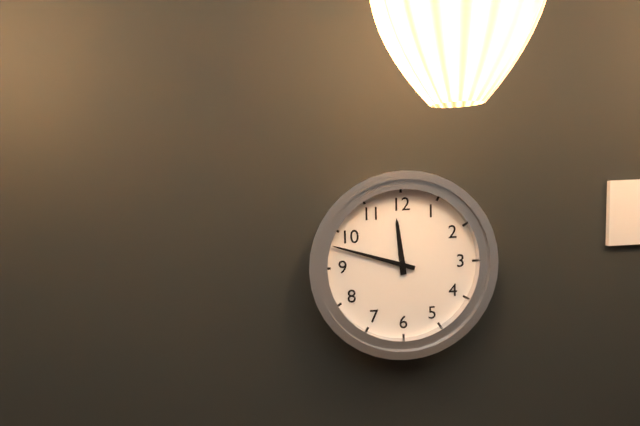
11:48
